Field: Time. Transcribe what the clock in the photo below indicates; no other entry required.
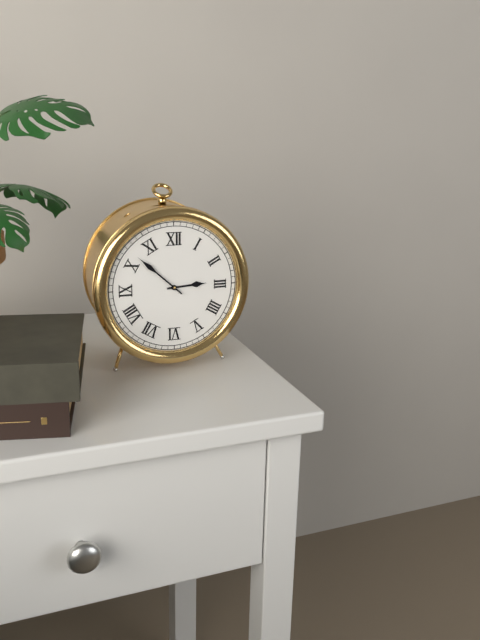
2:52
